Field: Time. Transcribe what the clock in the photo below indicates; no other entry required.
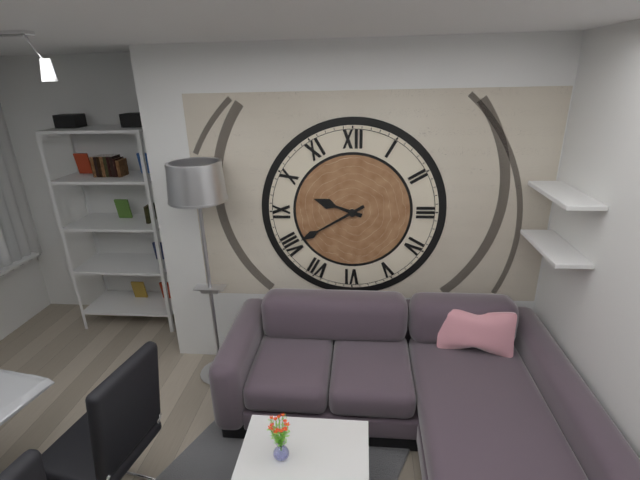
9:40
